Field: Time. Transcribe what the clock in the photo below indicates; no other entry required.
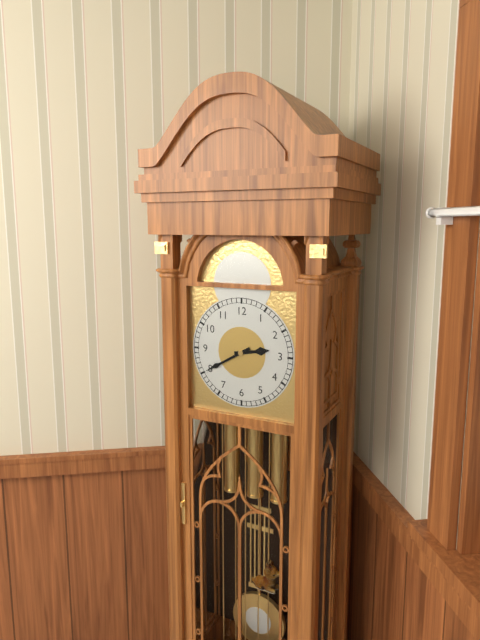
2:40
